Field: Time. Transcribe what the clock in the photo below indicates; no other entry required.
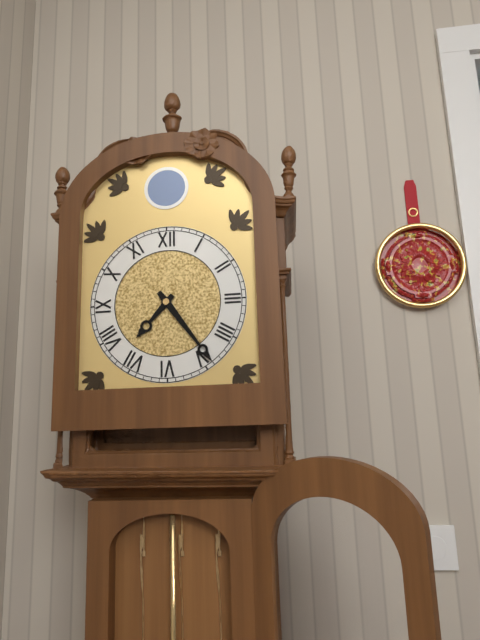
7:24
